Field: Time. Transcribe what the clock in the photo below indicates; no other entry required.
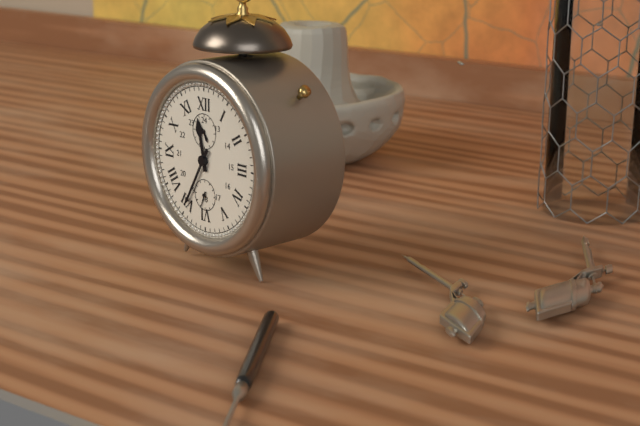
11:35:34
